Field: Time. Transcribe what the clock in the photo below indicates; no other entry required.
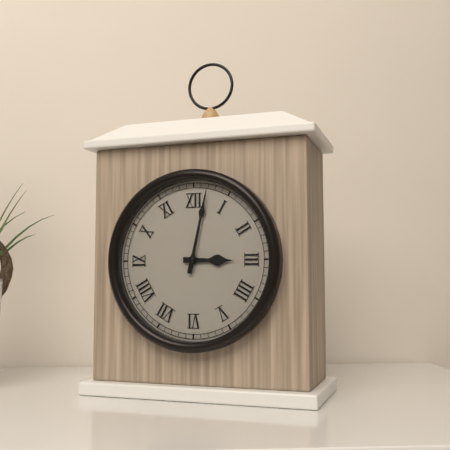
3:02
